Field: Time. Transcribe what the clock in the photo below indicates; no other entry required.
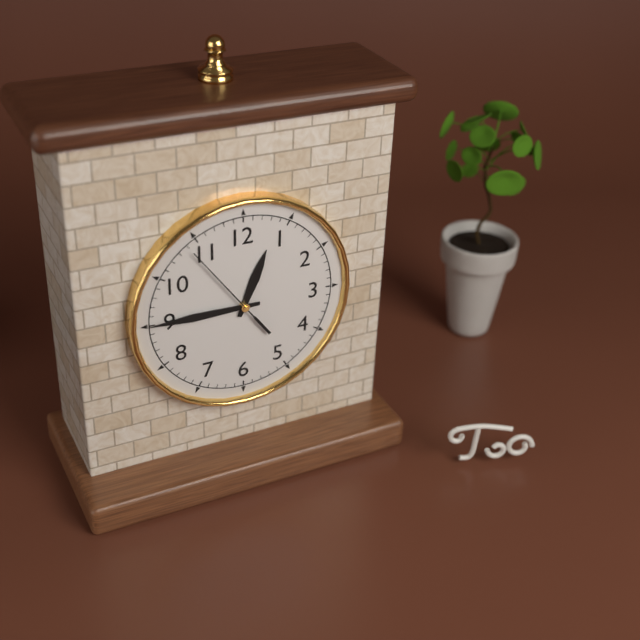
12:45:54
